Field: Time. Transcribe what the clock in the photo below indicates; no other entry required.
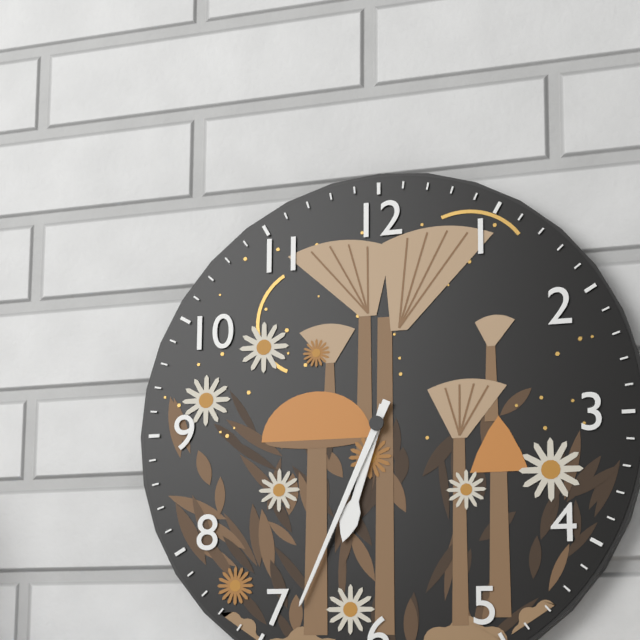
6:34
